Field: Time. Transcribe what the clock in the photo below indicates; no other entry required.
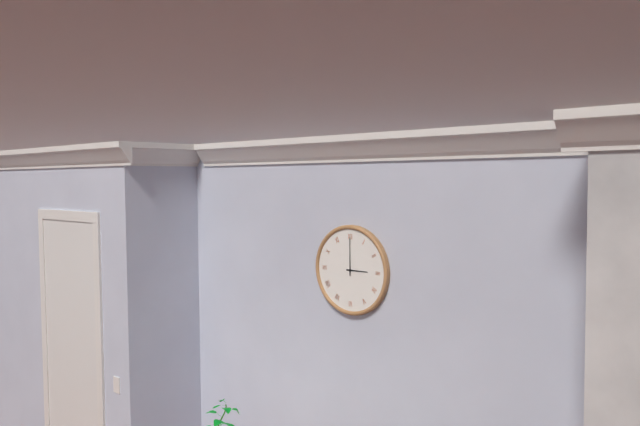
3:00
